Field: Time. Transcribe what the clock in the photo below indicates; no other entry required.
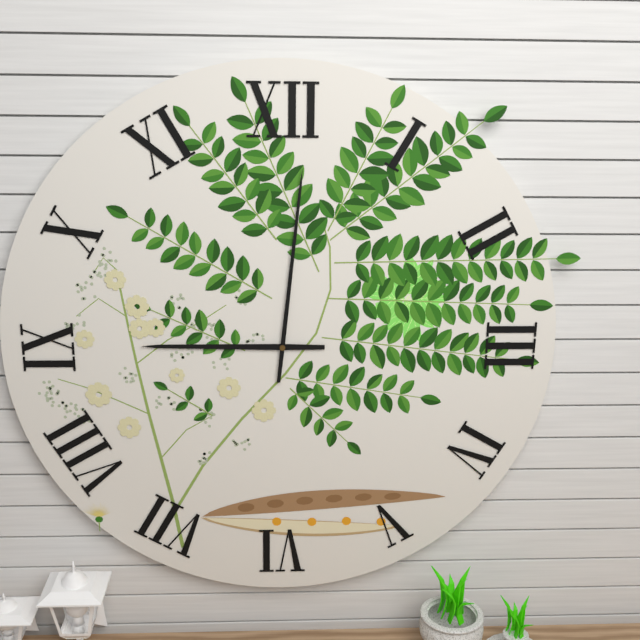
9:01
